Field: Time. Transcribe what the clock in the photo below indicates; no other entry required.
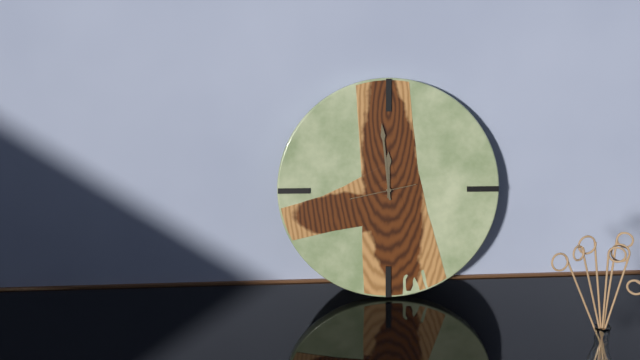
11:59
